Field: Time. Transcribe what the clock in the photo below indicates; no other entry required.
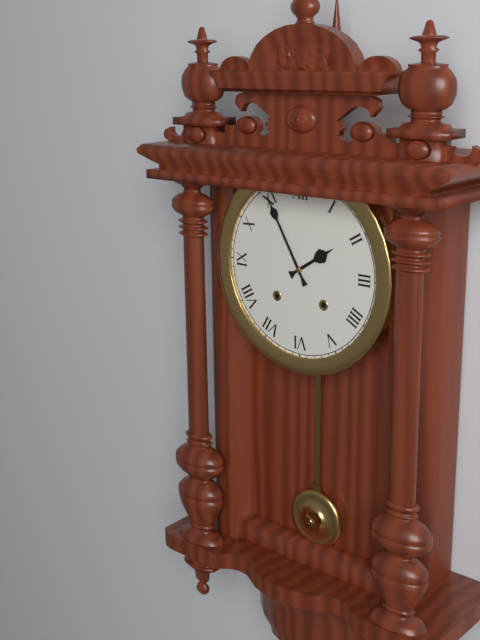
1:55
